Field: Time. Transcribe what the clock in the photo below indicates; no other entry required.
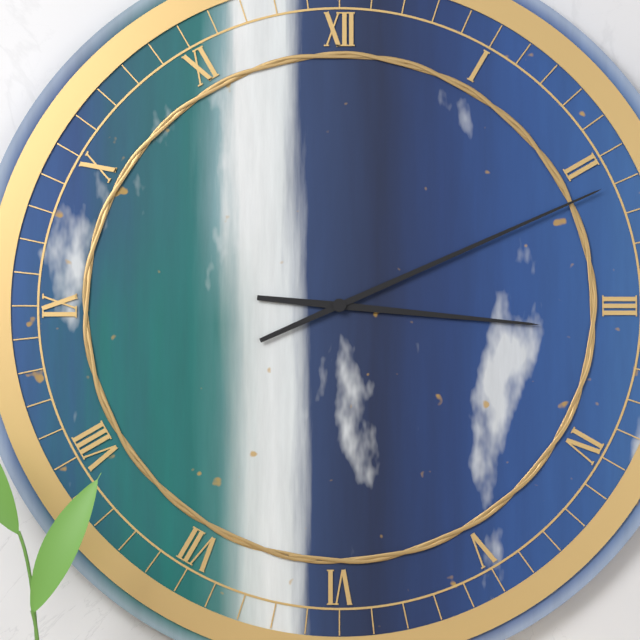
3:11
